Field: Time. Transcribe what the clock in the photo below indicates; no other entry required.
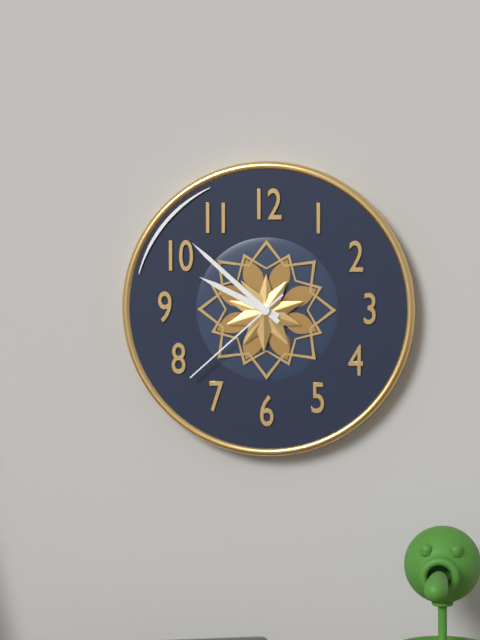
9:52:38
